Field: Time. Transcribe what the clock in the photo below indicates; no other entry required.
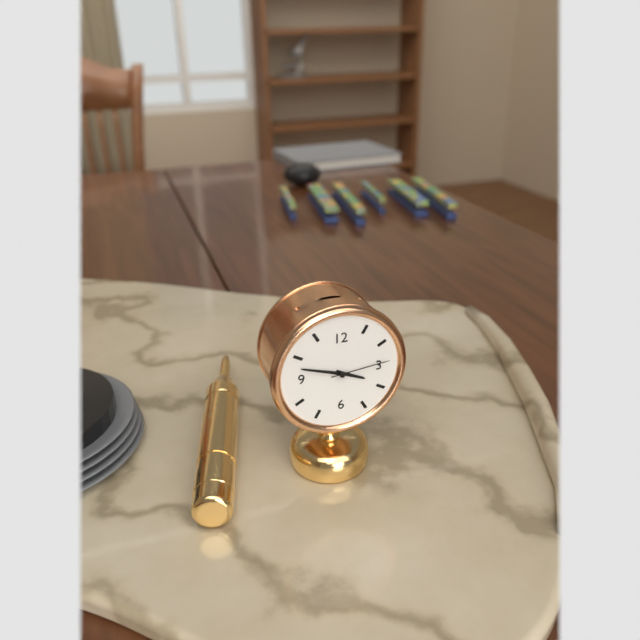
3:48:14
